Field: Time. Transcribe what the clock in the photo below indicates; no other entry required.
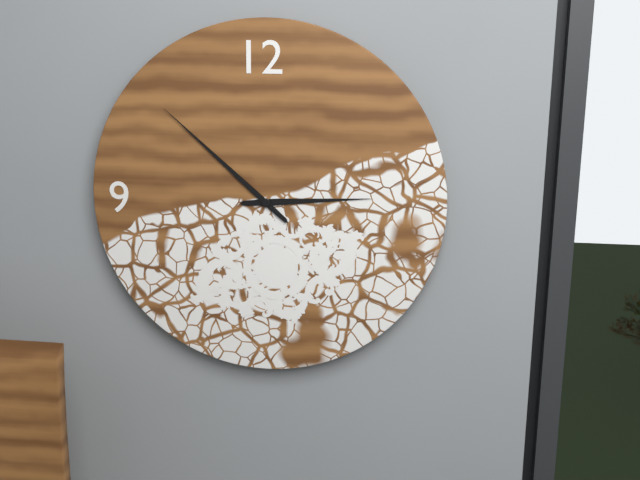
2:52
